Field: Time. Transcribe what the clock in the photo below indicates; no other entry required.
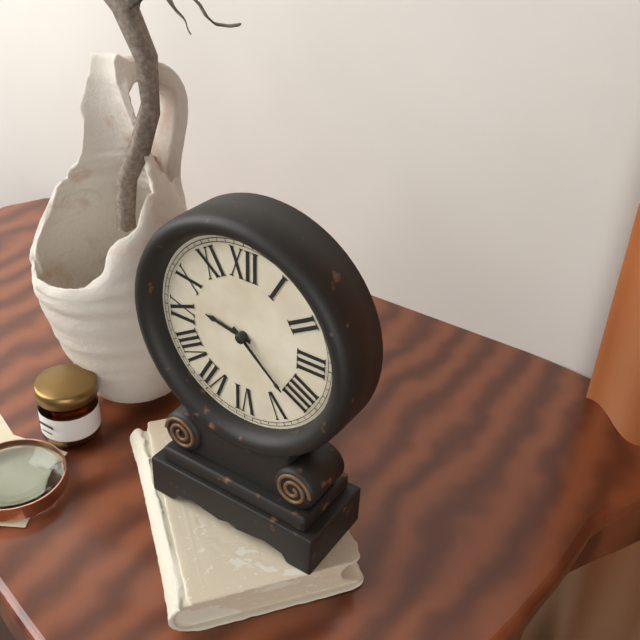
9:22
